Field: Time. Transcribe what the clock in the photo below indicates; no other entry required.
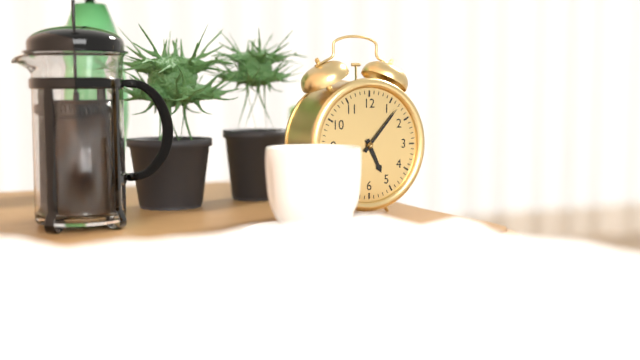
5:07
